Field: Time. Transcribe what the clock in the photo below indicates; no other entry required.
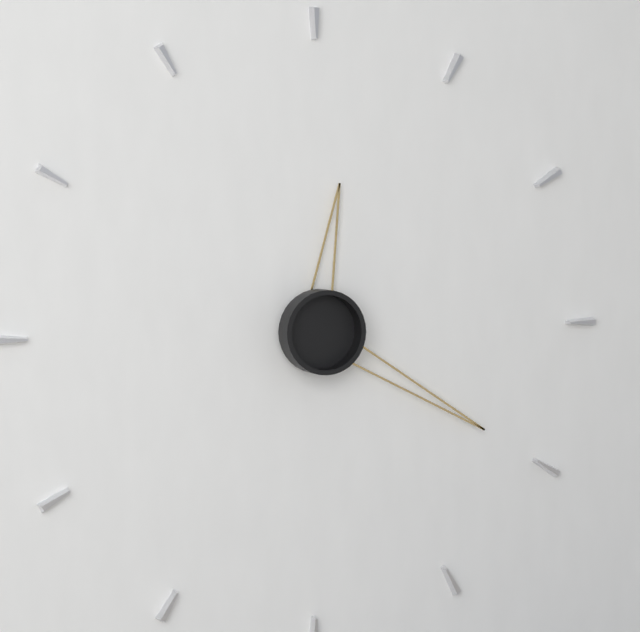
12:20
